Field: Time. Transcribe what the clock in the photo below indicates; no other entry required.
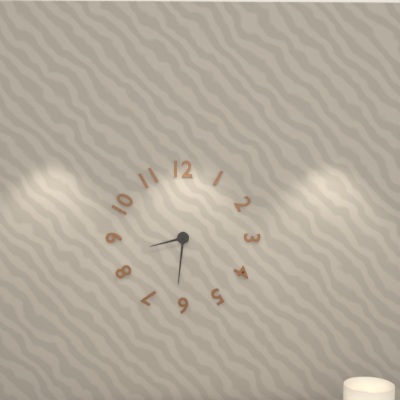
8:31
